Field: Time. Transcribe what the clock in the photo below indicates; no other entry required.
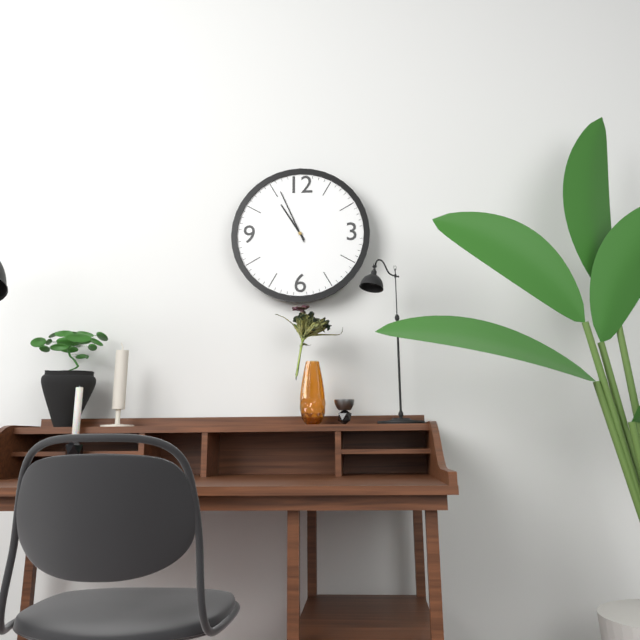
10:56
